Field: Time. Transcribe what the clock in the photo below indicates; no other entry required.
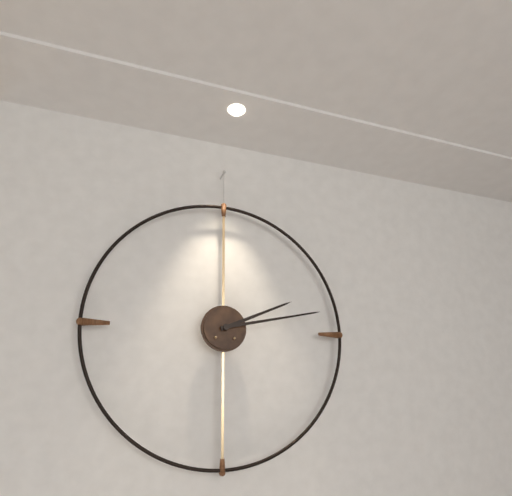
2:13
